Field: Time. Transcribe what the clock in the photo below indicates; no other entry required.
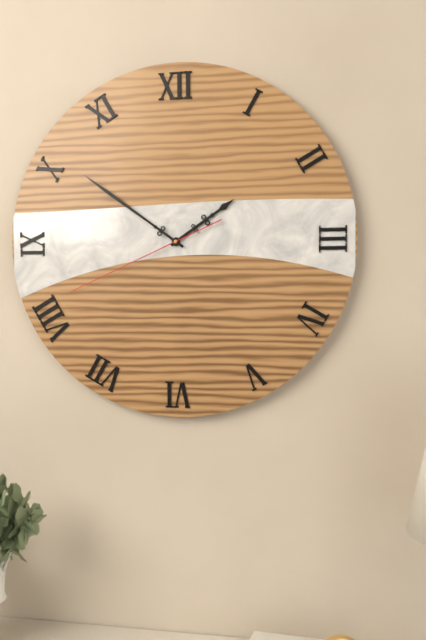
1:51:41
